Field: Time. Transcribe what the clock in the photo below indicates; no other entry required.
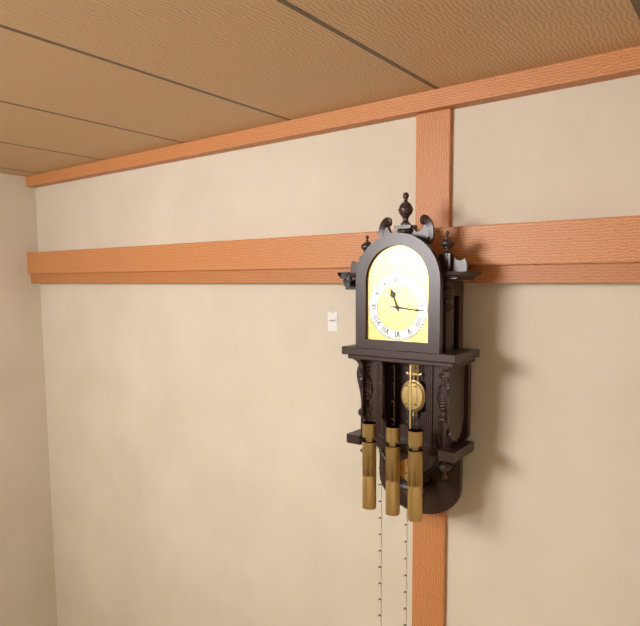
11:16
